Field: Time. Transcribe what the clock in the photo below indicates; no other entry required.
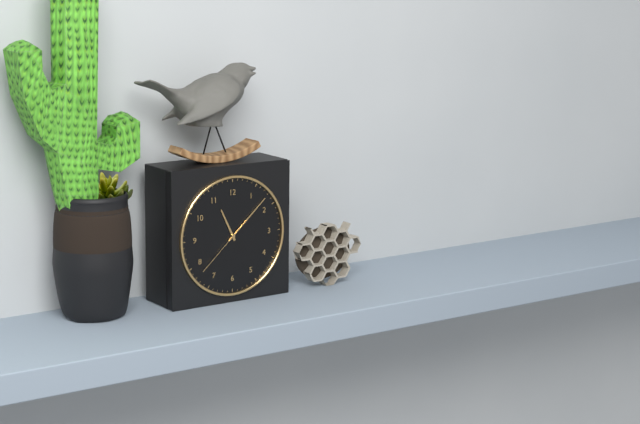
11:08:38
